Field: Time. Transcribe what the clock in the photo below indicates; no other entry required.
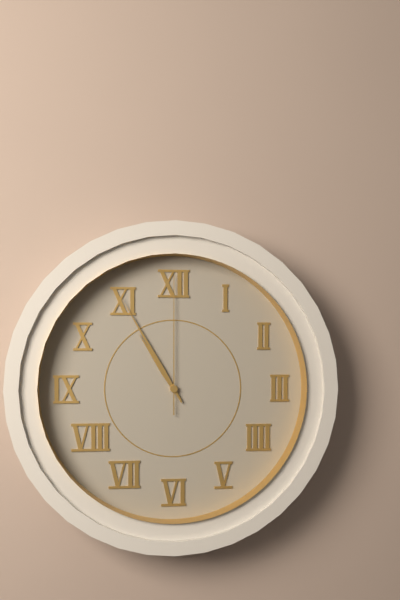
10:55:00
